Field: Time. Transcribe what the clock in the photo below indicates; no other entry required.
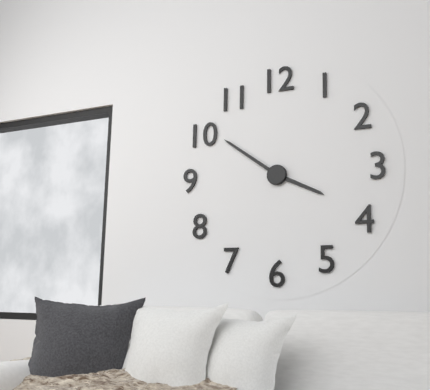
3:51
